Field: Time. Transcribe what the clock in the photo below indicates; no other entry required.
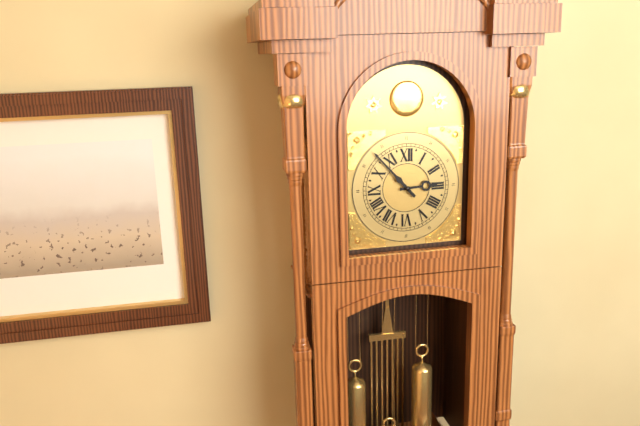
2:53
